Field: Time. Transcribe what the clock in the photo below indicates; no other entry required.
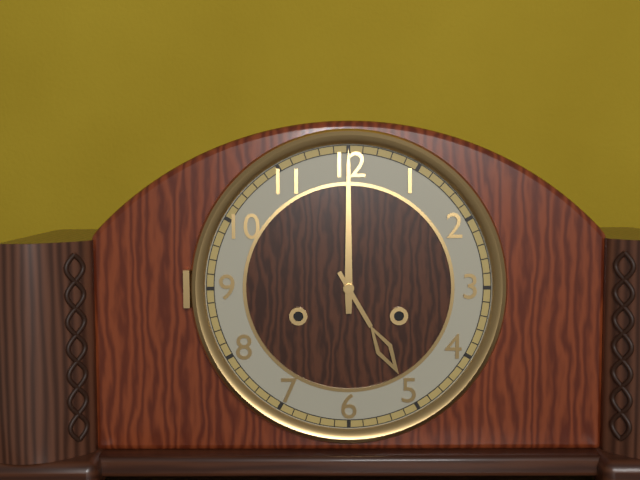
5:00
